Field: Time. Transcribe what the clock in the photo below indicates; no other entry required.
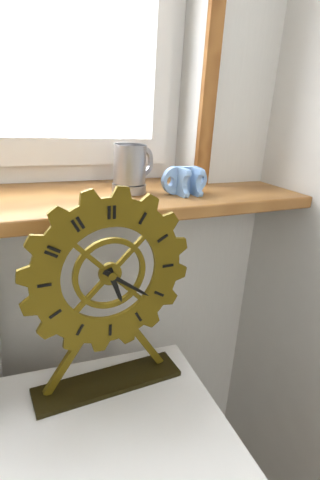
5:21
